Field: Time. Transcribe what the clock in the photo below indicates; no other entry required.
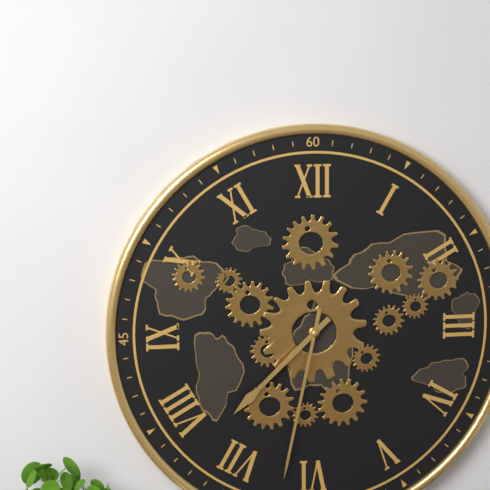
7:32
